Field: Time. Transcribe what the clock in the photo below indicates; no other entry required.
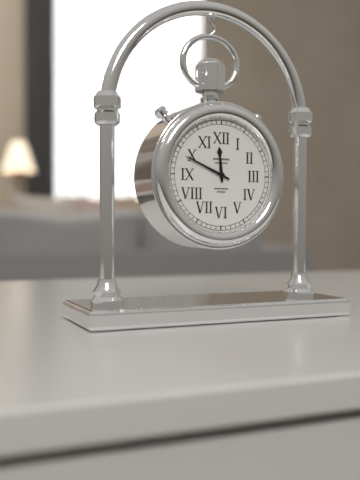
11:49
